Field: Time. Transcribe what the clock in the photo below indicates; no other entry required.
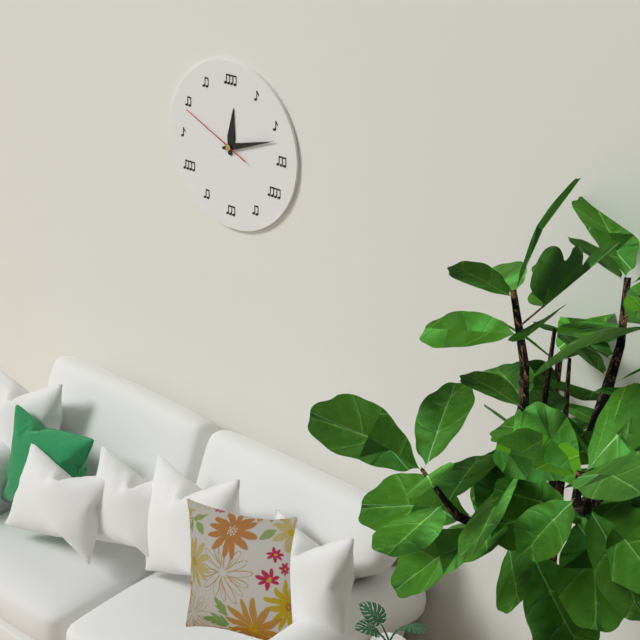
12:12:49
